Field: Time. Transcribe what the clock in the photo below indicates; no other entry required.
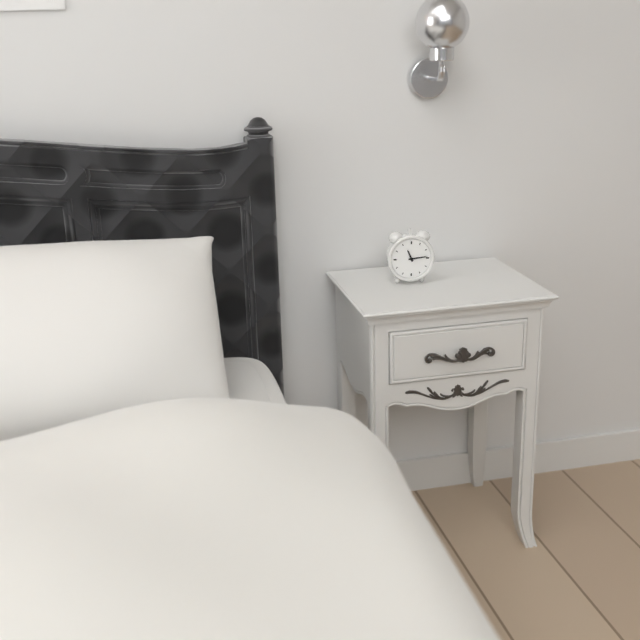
11:14
